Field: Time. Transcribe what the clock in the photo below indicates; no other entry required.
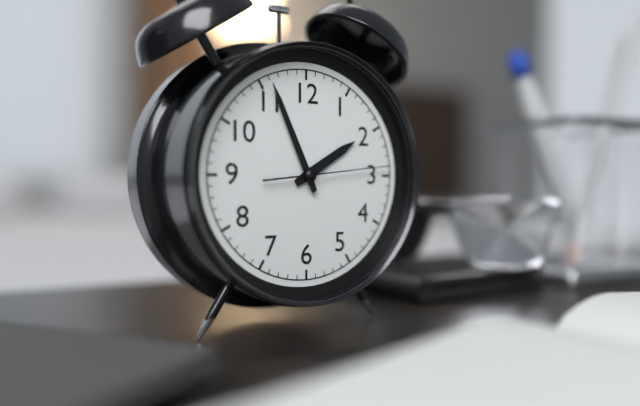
1:56:14
